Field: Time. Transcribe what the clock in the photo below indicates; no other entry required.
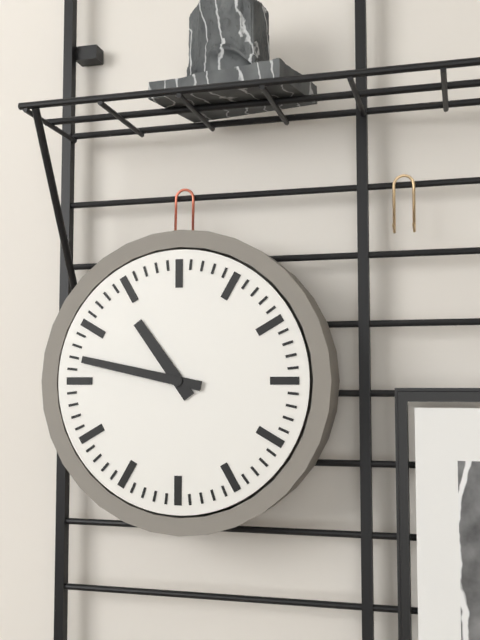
10:47
